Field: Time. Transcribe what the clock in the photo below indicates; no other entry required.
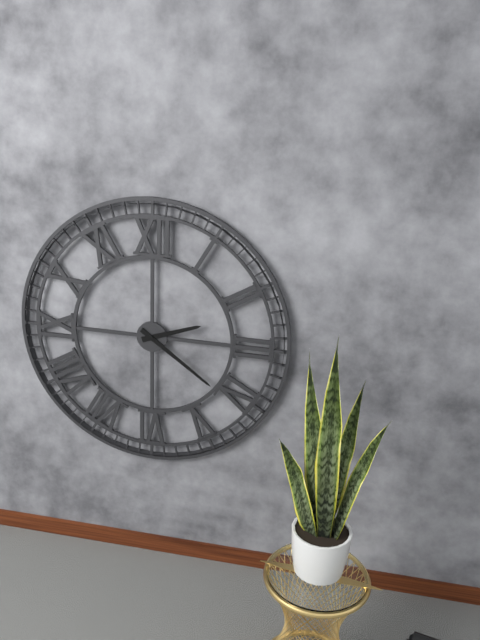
2:21
